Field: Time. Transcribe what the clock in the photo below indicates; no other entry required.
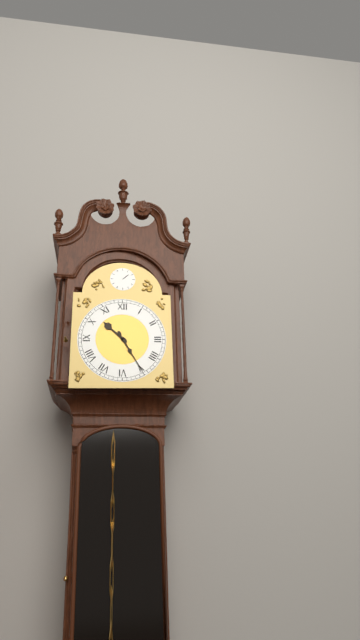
10:25
